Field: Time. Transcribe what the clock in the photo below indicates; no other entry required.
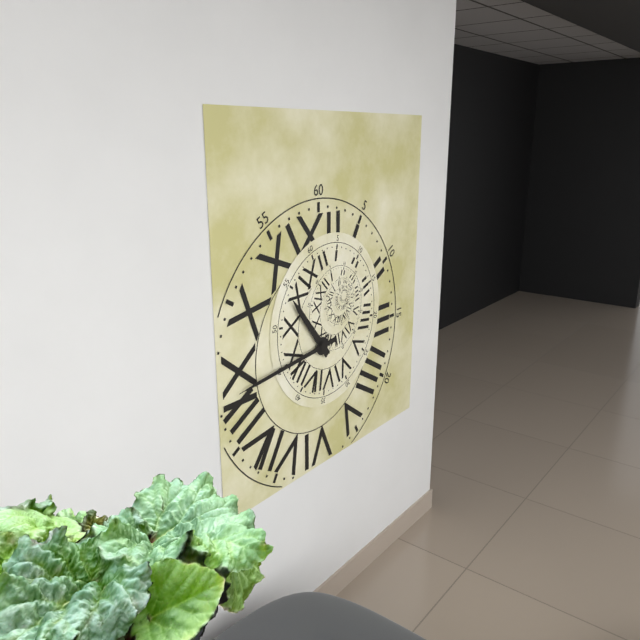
10:44
